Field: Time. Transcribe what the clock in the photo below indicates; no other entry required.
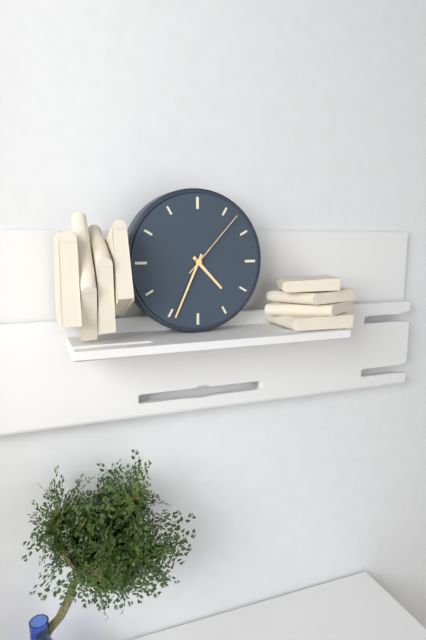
4:34:07
